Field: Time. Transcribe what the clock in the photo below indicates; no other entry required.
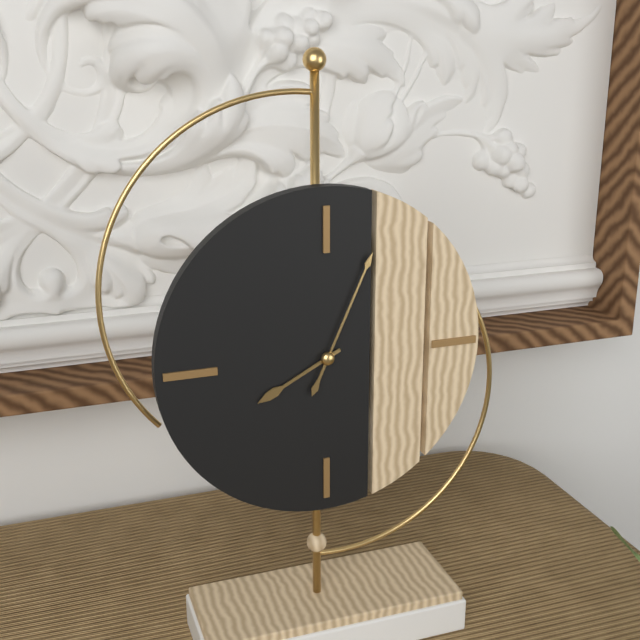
8:04
